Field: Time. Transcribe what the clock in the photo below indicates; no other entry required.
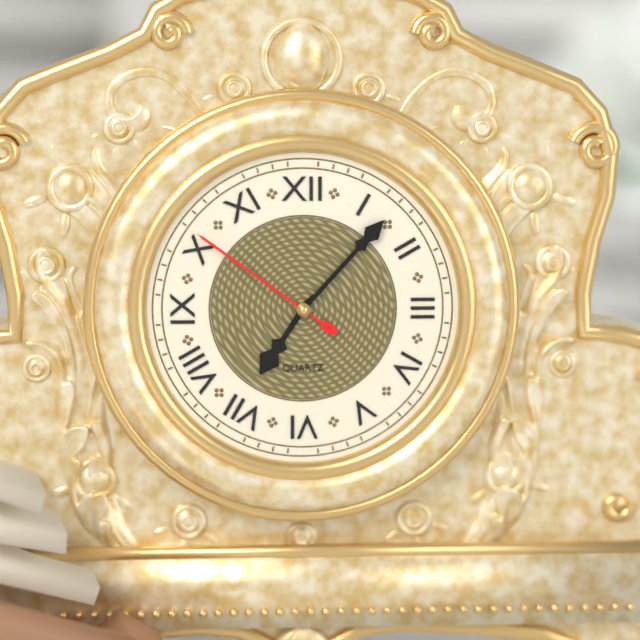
7:07:51
